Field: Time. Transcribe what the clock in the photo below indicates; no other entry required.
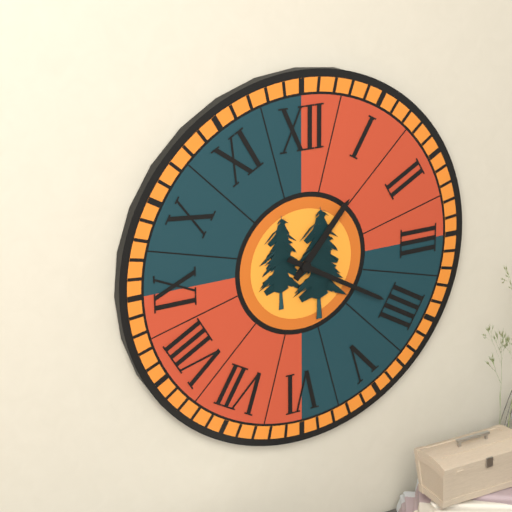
1:20
